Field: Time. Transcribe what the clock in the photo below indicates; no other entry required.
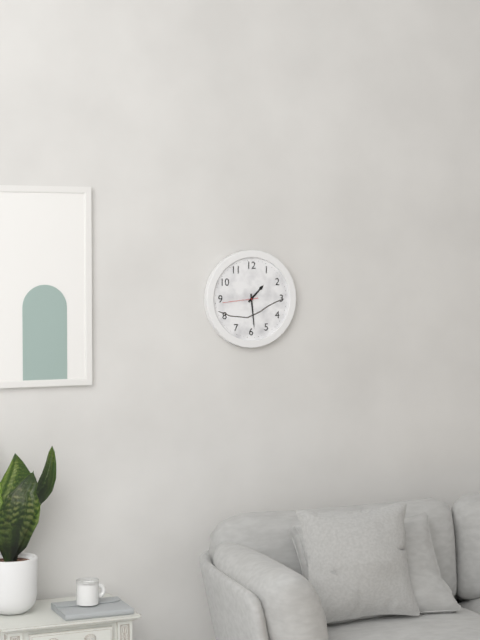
1:29
